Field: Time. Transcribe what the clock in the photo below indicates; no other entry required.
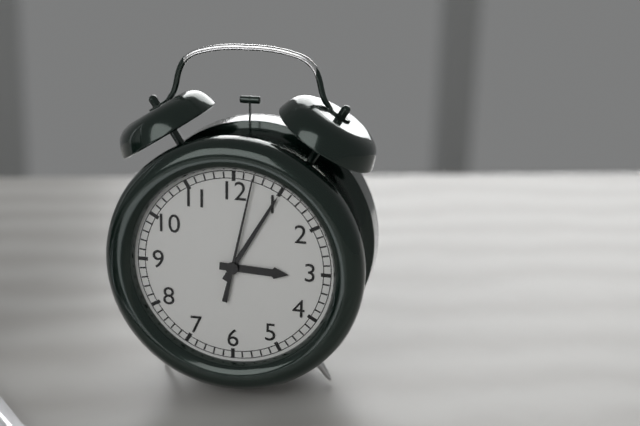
3:05:02
